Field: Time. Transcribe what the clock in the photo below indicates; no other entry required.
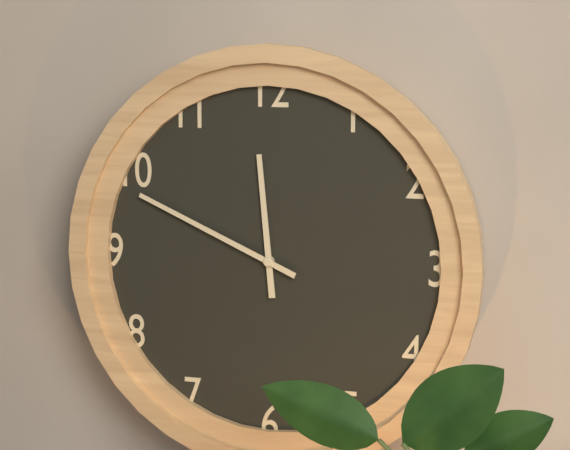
11:49
